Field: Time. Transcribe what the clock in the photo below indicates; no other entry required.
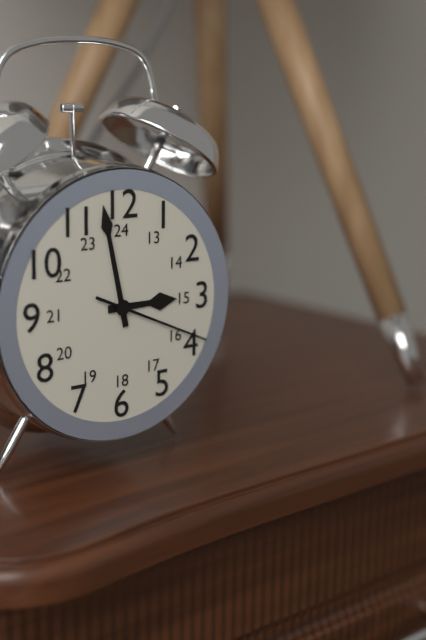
2:58:19
